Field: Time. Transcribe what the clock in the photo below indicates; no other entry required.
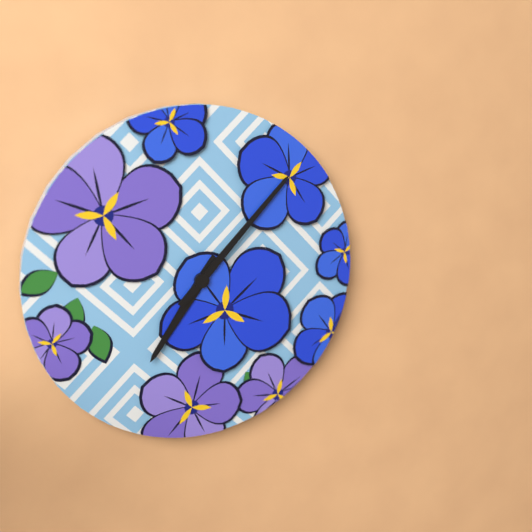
7:07
